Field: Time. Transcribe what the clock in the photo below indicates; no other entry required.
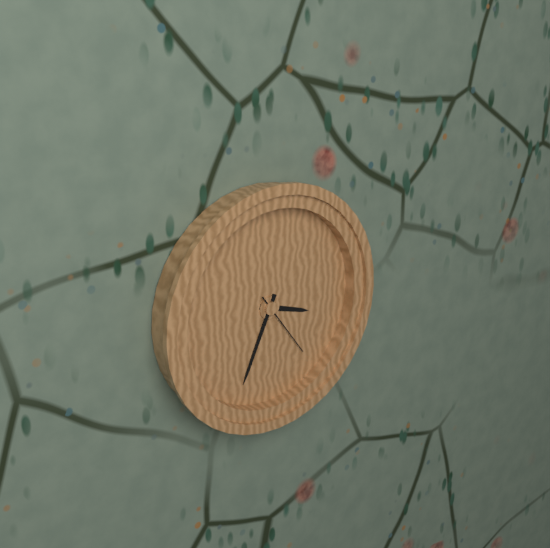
3:34:24
